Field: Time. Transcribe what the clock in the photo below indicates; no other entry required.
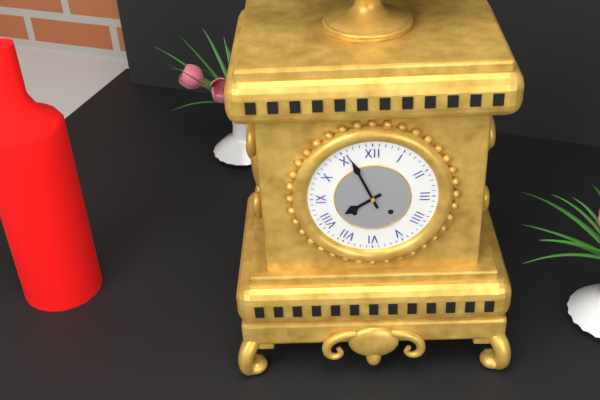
7:56
